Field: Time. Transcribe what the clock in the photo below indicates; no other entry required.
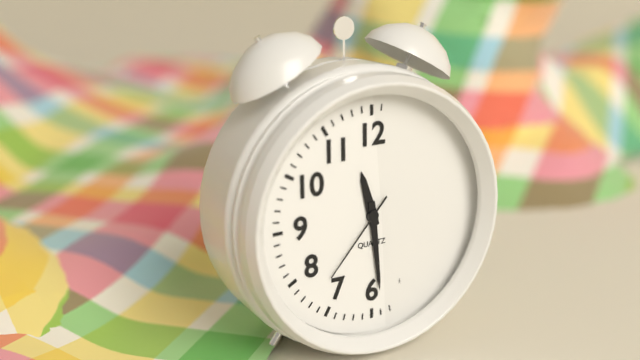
11:29:37
